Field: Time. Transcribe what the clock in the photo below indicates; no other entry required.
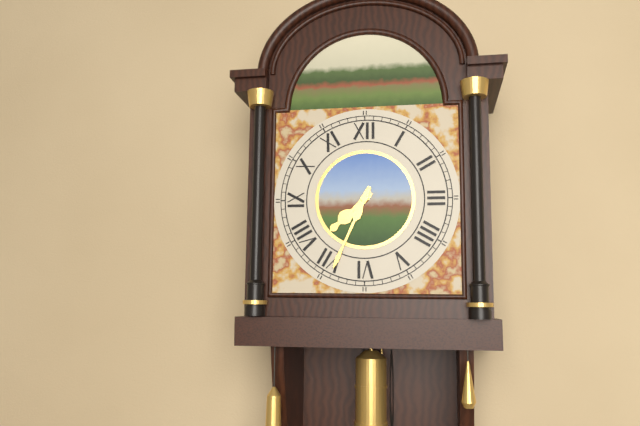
7:34
